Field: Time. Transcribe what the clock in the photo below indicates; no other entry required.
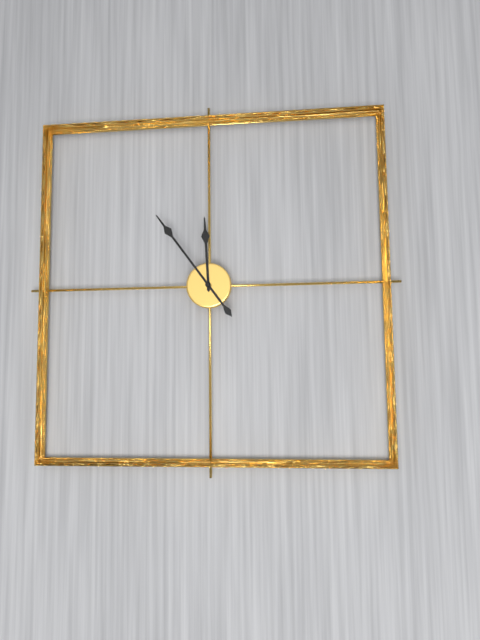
11:54
